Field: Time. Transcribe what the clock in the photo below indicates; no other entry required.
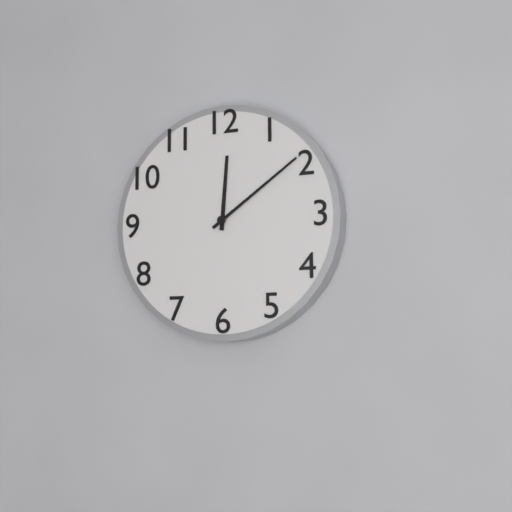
12:09
